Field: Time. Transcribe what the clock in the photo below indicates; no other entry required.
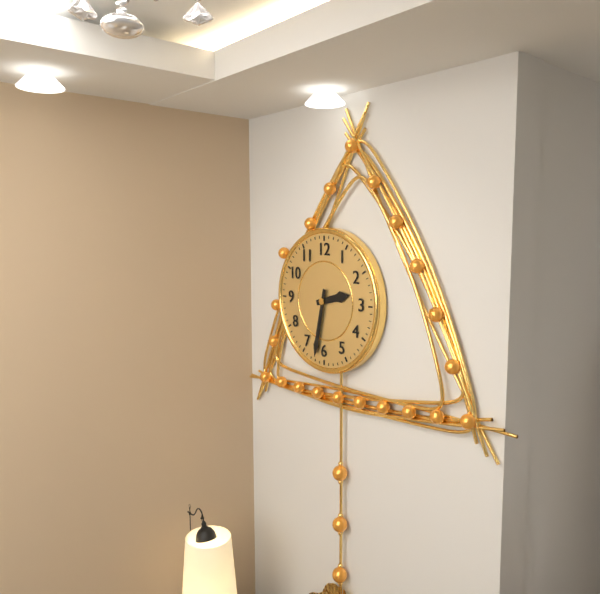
2:32
